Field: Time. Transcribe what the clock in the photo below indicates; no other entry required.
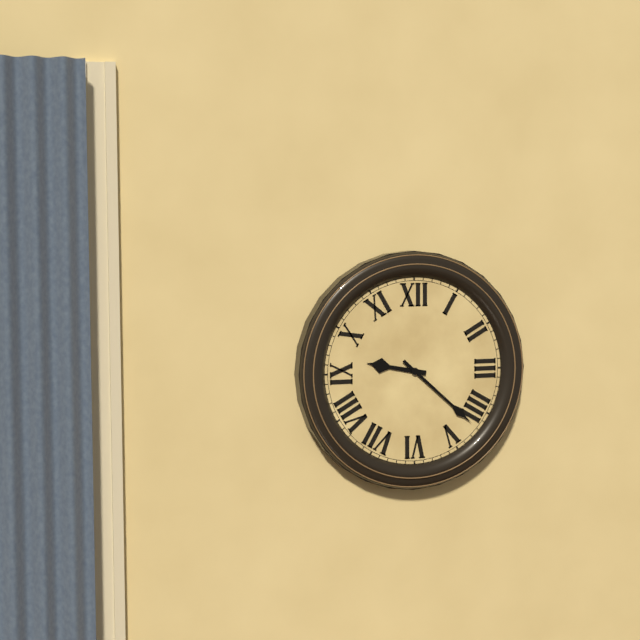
9:22
